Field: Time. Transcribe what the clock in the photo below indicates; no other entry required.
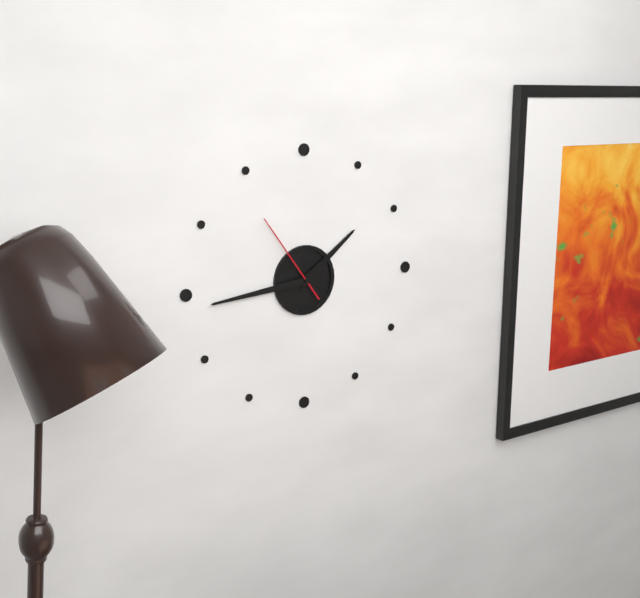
1:44:54
